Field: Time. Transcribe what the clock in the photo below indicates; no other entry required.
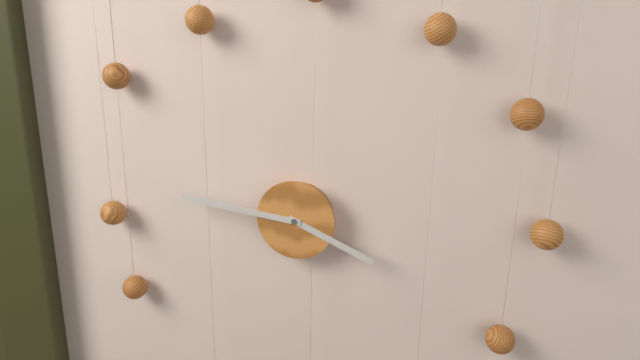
3:46
